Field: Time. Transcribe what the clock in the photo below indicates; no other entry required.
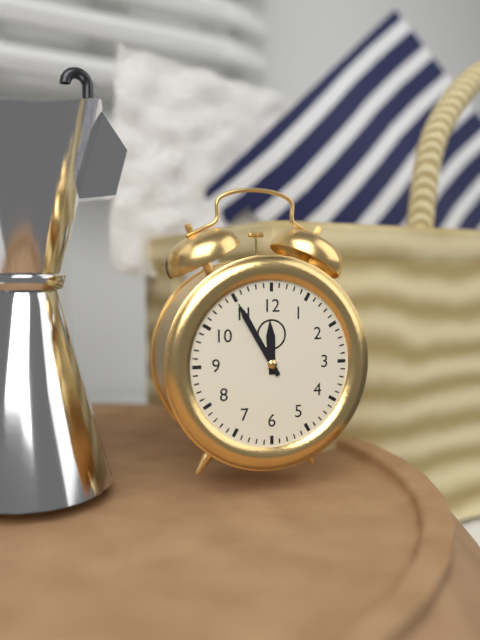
11:55
